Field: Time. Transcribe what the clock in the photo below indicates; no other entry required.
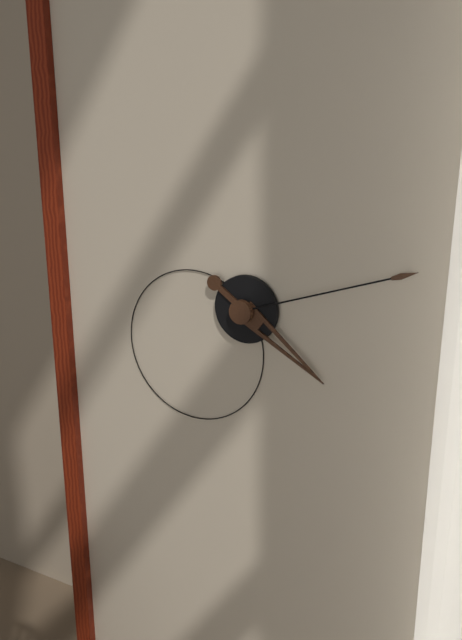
4:12
